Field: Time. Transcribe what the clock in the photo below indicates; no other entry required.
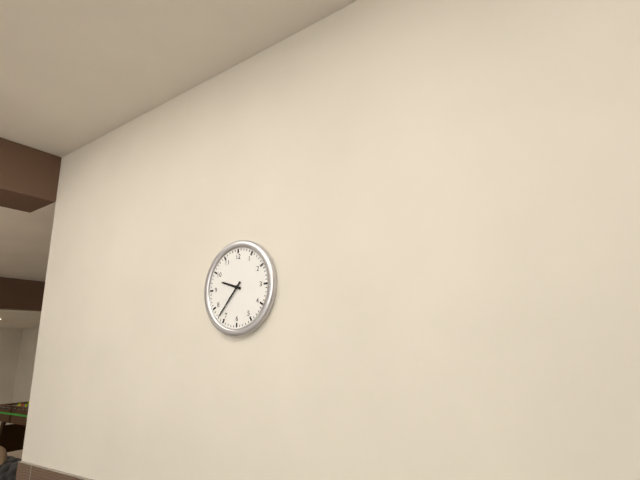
9:37
